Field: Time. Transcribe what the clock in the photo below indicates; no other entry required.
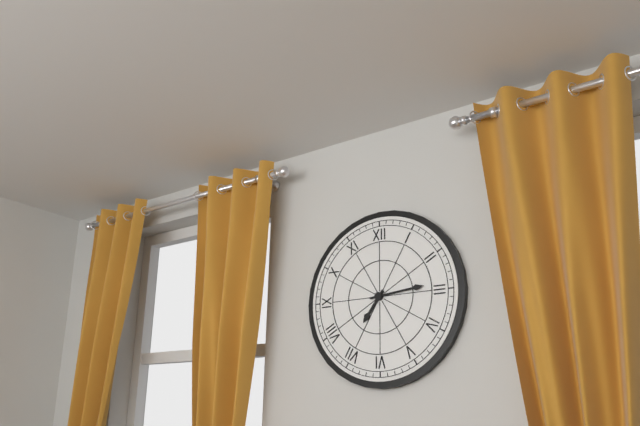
7:14
